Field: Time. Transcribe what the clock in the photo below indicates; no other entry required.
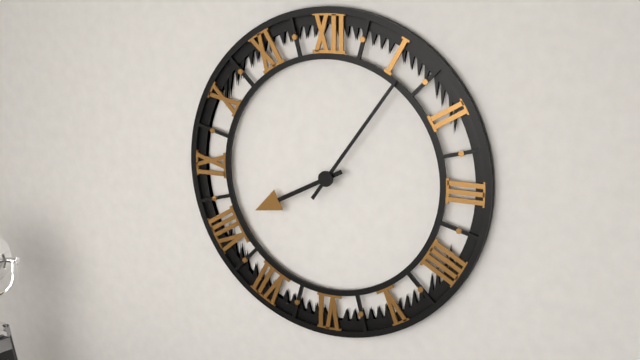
8:06
